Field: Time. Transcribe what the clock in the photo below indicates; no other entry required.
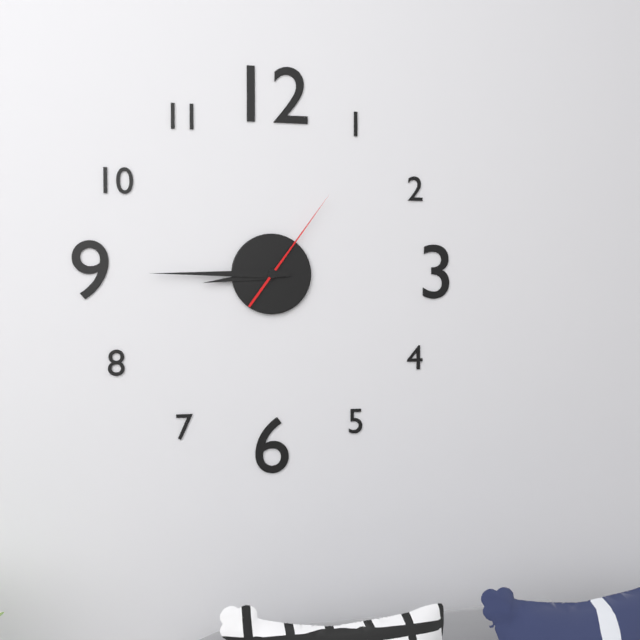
8:45:06
